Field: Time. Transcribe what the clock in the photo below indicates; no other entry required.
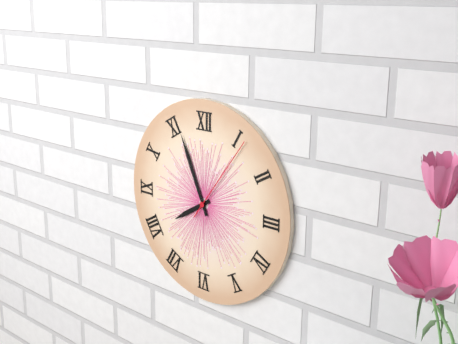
7:56:06
